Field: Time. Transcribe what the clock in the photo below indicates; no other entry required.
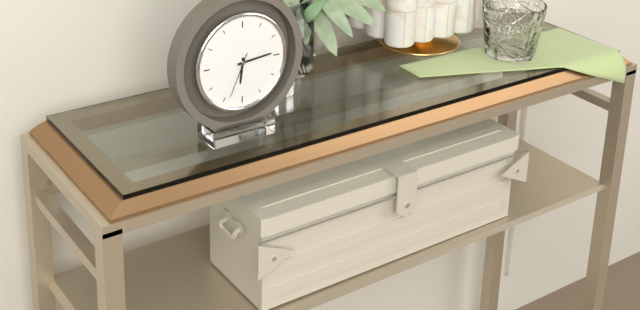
6:14
